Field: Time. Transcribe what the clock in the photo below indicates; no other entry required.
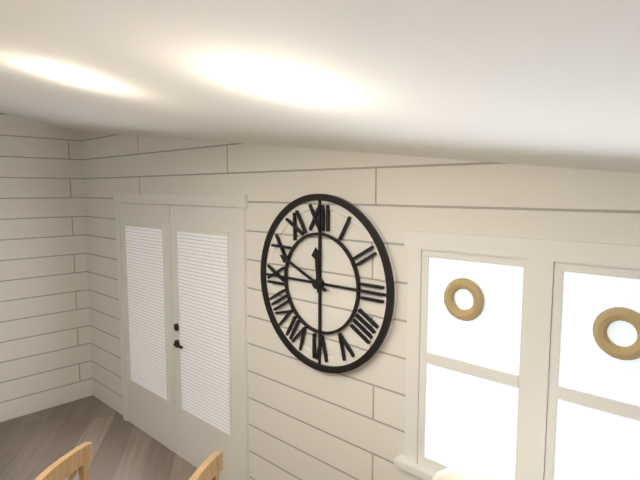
11:49
